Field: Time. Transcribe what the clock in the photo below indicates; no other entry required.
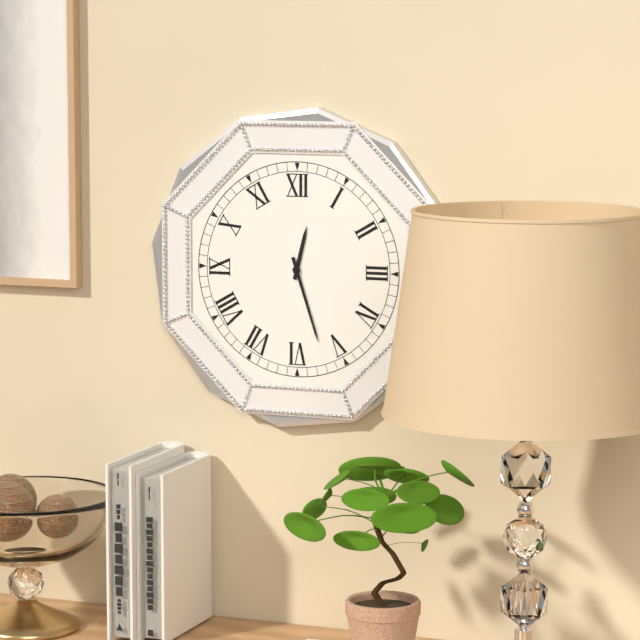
12:27
